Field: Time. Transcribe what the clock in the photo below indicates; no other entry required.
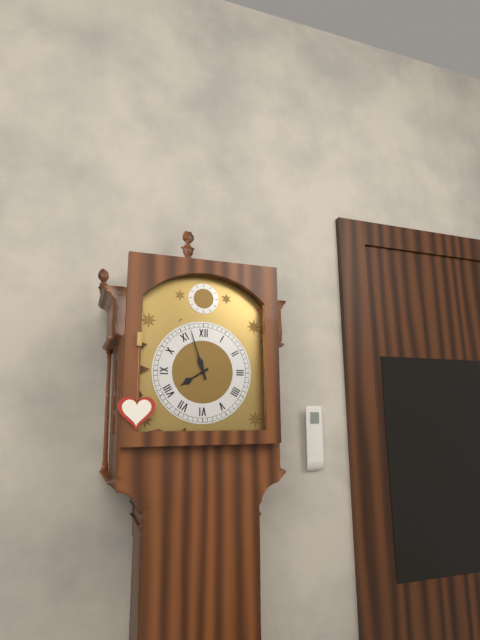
7:57
